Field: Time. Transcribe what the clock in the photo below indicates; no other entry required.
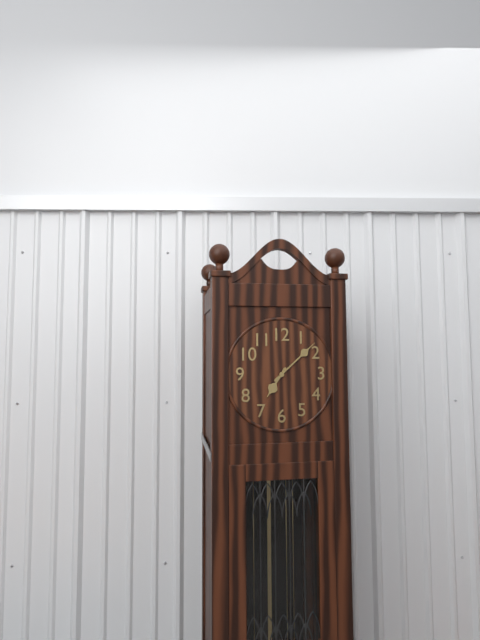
7:08
